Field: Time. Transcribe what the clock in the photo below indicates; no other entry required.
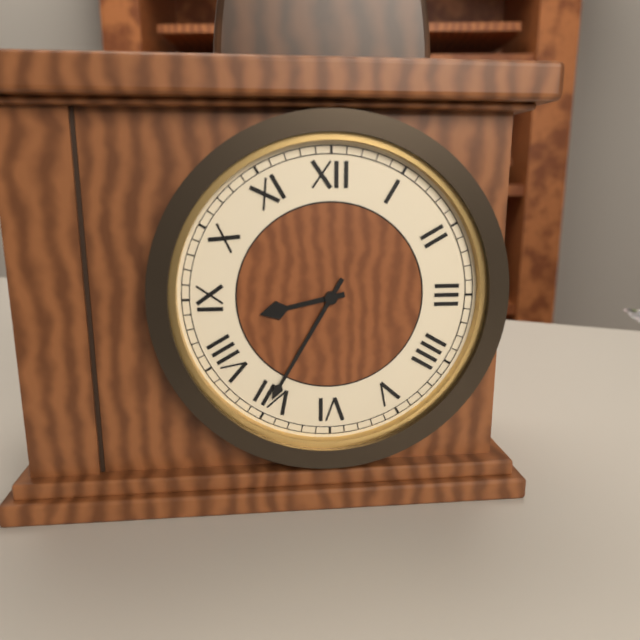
8:35
